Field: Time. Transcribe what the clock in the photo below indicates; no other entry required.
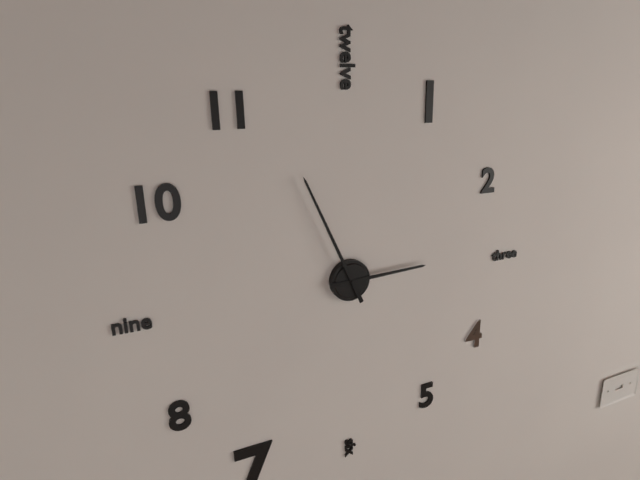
2:56
